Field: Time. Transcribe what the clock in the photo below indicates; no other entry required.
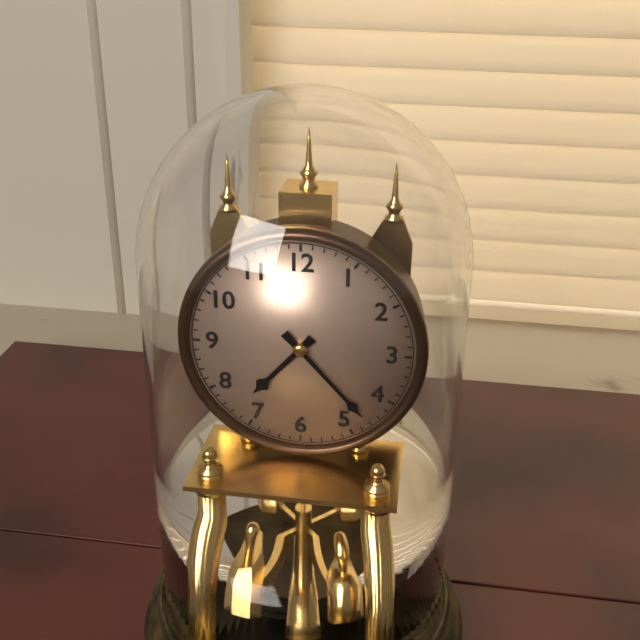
7:23
